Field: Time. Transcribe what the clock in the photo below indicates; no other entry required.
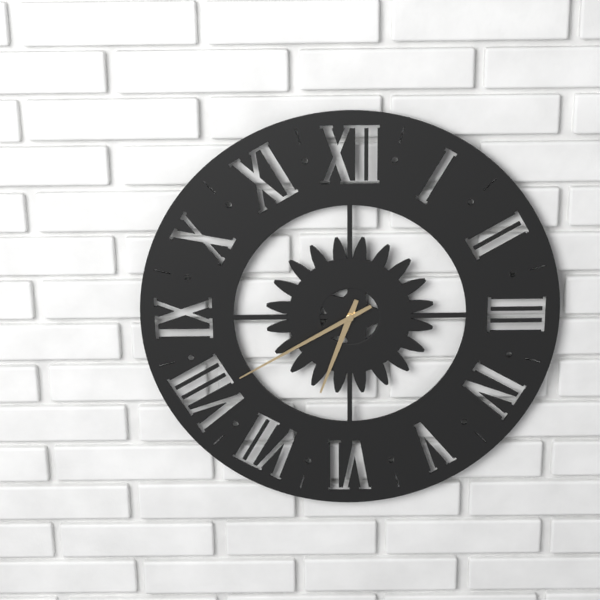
6:40
